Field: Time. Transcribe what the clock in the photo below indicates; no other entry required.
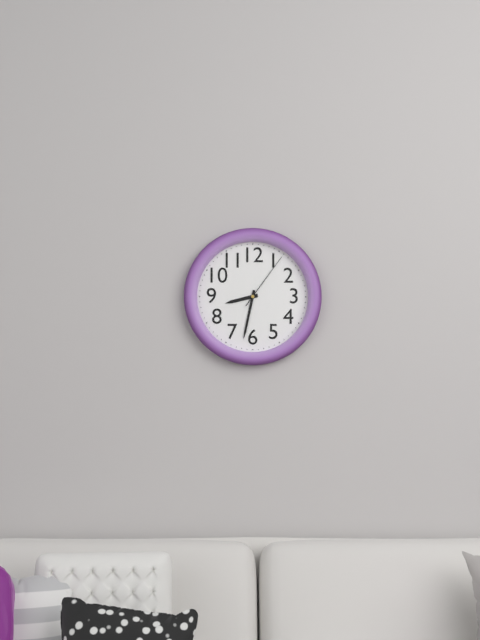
8:32:06
